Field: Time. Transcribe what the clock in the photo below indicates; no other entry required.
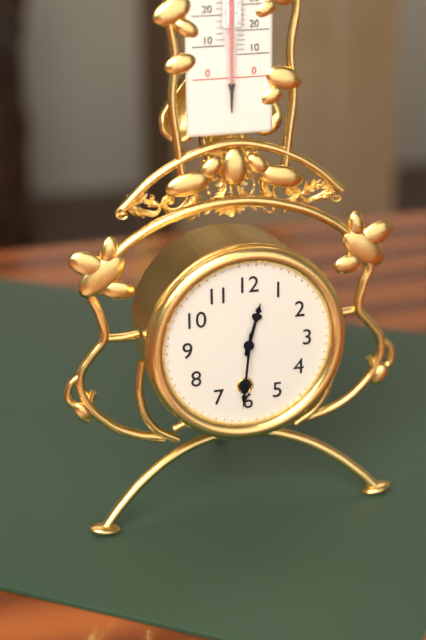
12:31
